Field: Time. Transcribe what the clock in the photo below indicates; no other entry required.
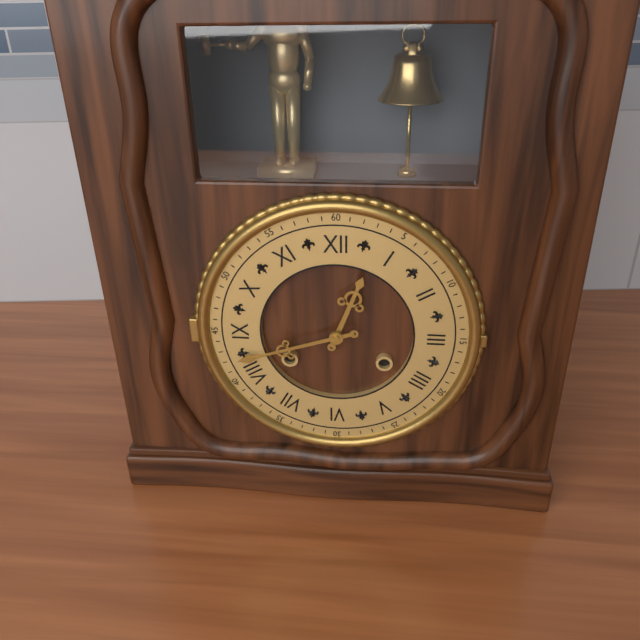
12:42
